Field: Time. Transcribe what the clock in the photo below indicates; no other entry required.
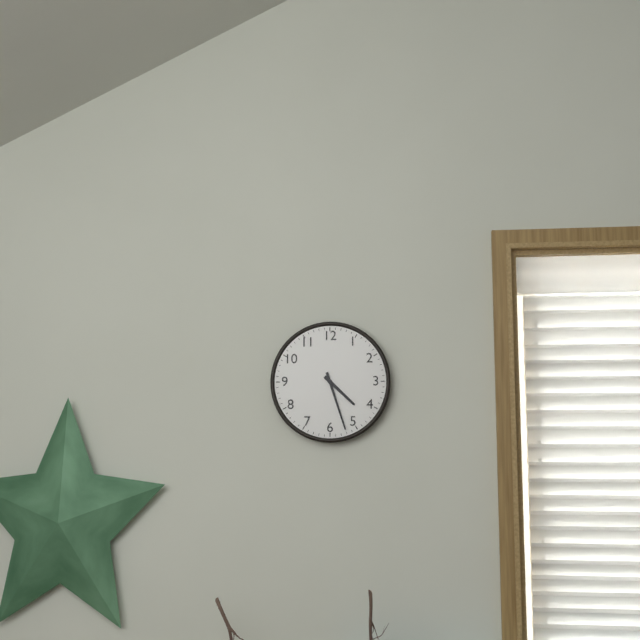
4:27
